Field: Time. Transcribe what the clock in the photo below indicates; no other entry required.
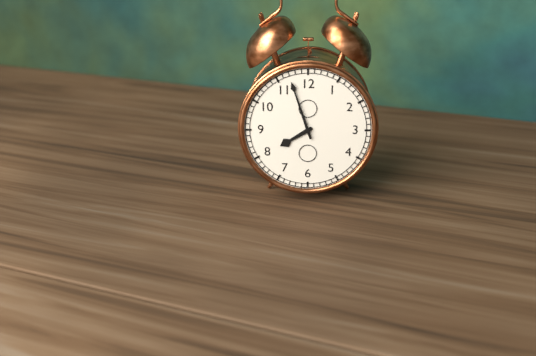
7:57
